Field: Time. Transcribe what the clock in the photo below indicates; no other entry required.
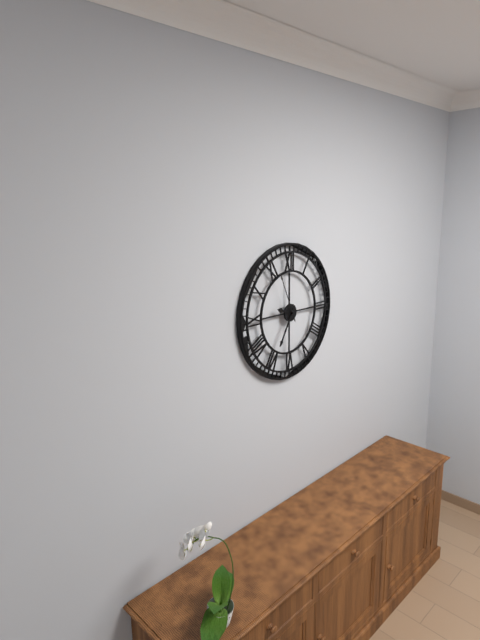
9:35
